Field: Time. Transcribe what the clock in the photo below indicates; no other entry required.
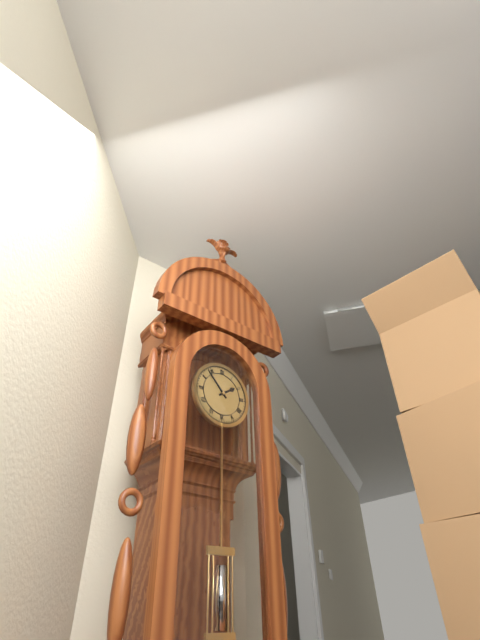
1:53
